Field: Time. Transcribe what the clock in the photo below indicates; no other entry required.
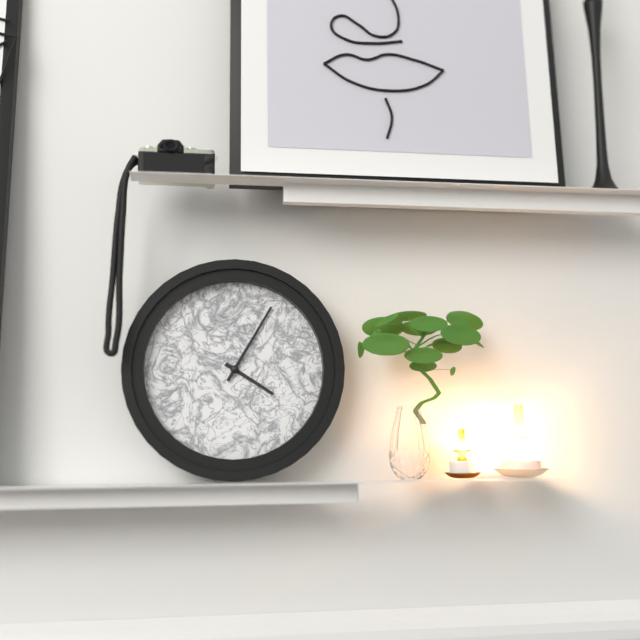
4:05
